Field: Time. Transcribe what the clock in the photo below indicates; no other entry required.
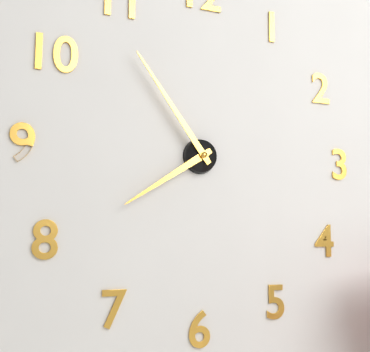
7:54
